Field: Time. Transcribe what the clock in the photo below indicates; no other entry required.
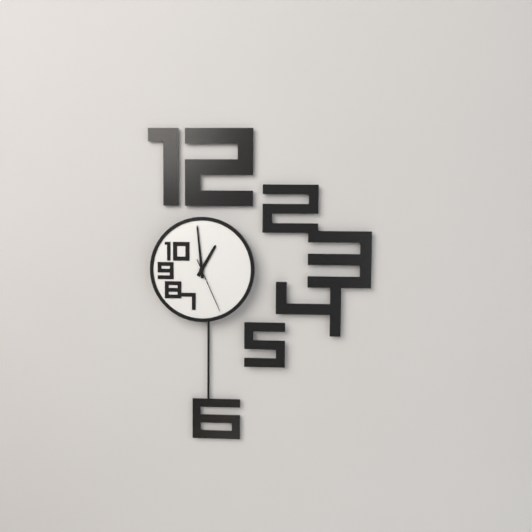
12:59:26
